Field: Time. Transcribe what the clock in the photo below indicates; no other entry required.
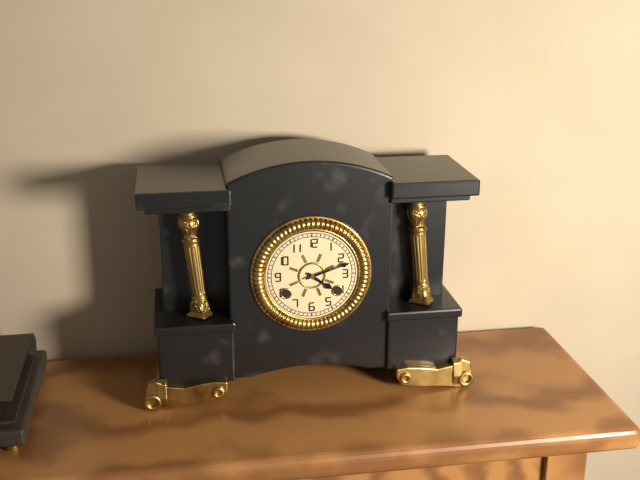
4:12
